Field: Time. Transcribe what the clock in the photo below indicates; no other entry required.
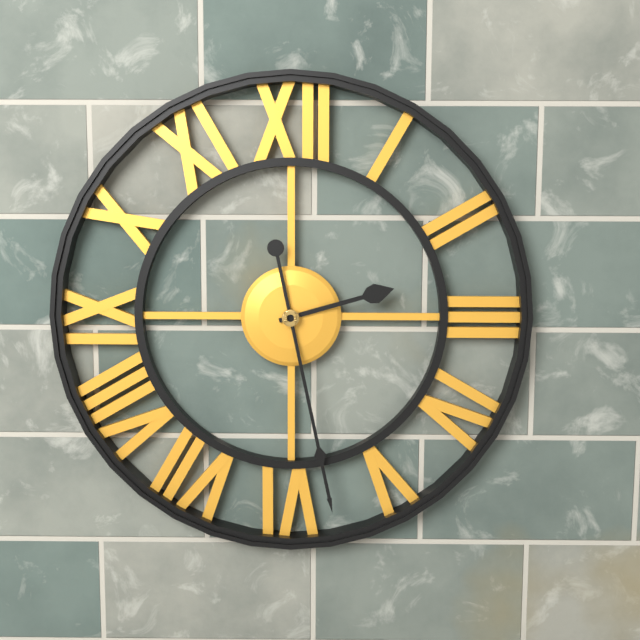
2:28
